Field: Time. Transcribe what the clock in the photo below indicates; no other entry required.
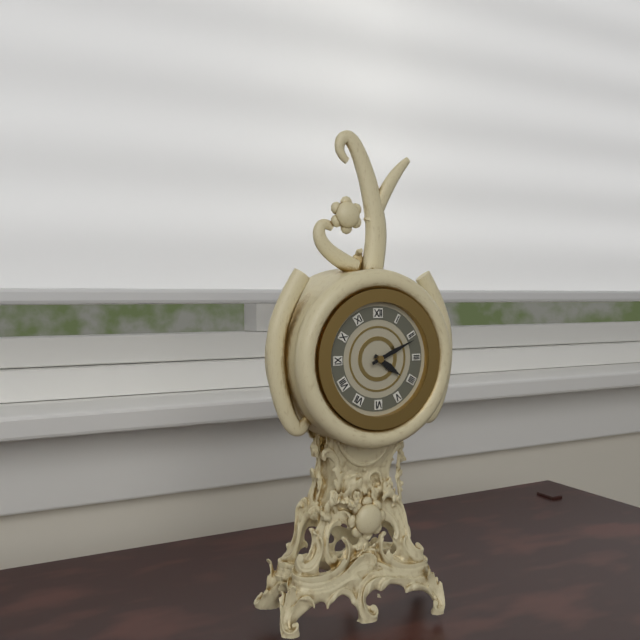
4:11
